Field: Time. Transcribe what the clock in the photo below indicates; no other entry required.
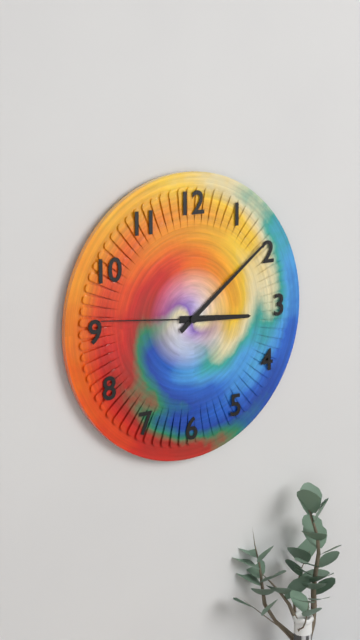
3:09:46
